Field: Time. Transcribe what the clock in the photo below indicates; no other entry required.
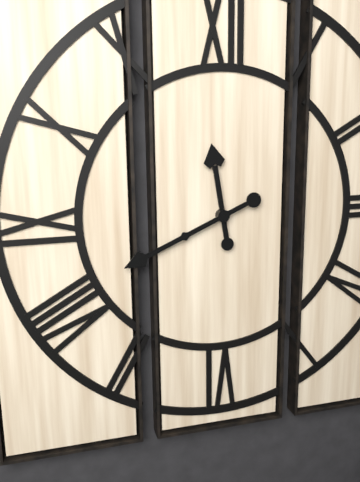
11:41
